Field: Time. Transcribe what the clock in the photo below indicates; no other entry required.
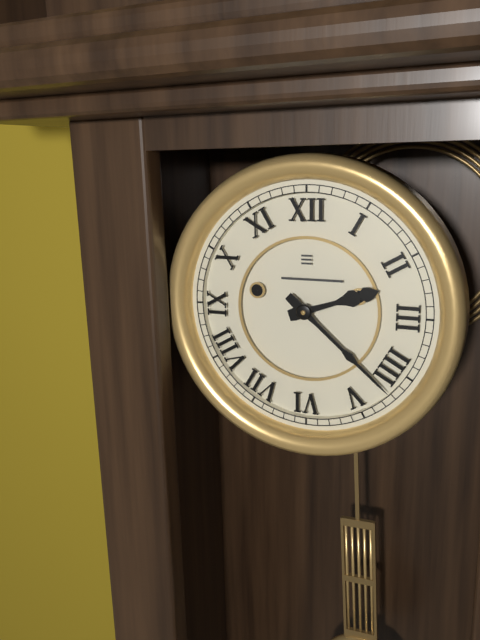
2:22
